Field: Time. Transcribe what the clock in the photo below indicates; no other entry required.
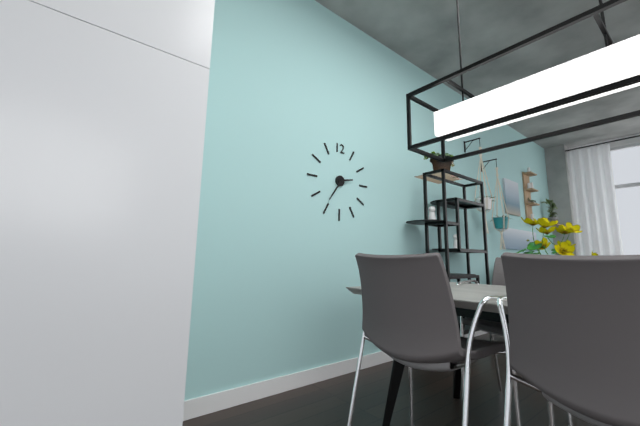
2:36
